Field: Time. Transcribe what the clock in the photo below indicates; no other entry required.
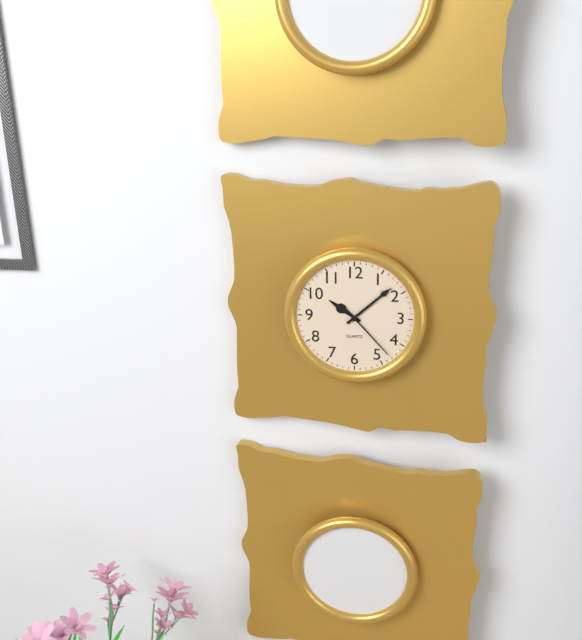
10:08:23
